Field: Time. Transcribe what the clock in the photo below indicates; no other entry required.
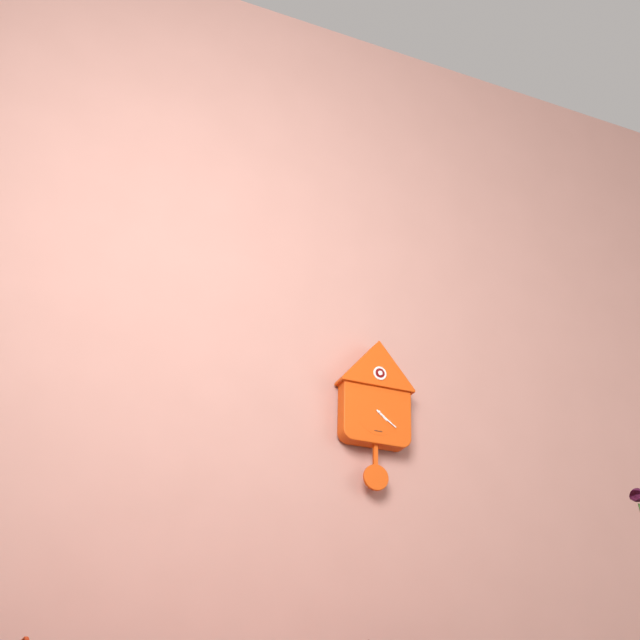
4:21
